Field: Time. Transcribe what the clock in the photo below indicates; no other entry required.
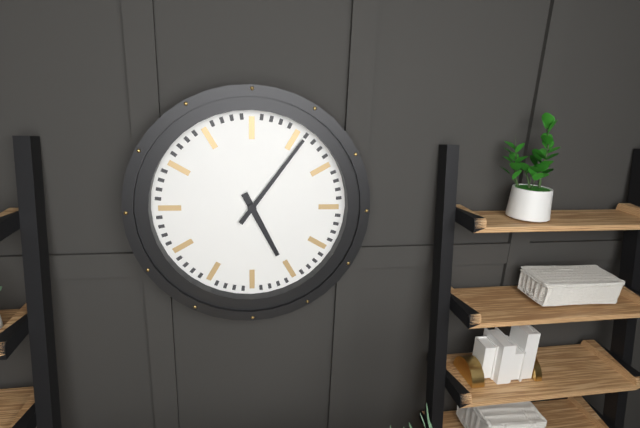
5:06
